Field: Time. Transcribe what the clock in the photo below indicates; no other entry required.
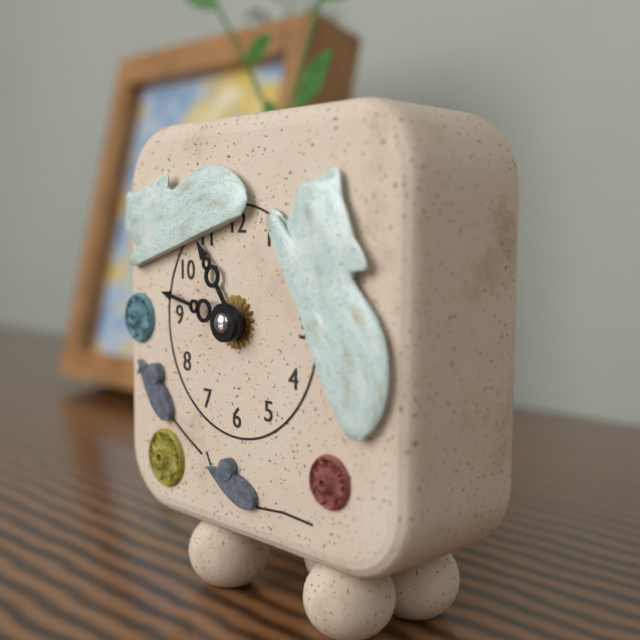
10:47
